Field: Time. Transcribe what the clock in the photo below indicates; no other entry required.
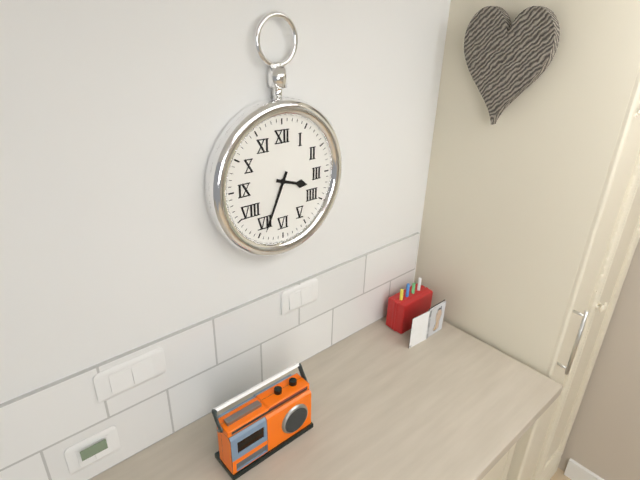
3:34
